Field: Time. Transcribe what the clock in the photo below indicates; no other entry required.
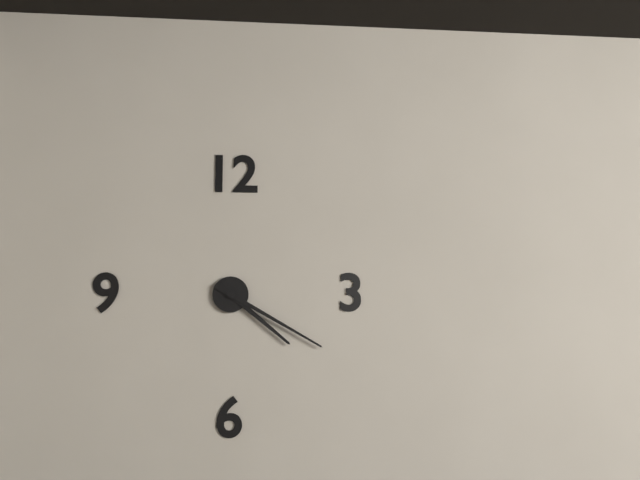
4:20
